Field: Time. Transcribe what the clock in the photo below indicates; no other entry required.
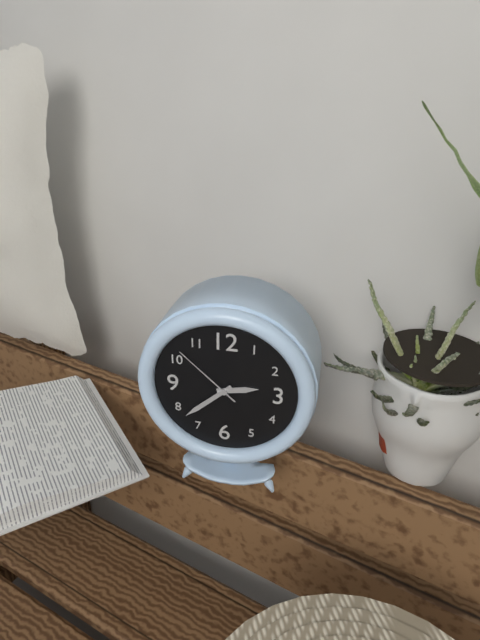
2:38:52
